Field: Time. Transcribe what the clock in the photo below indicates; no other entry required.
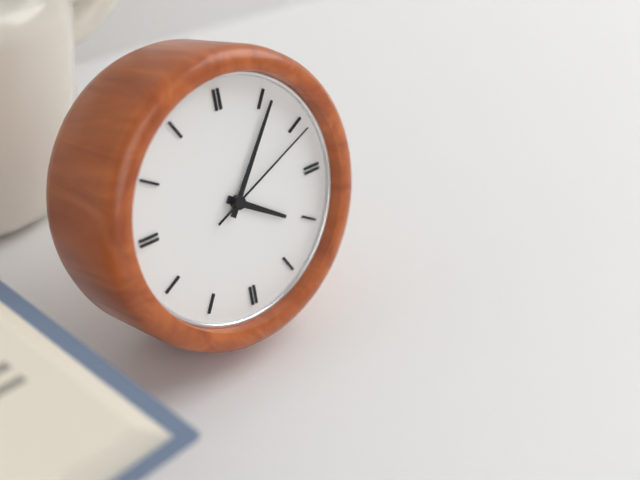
4:06:11
